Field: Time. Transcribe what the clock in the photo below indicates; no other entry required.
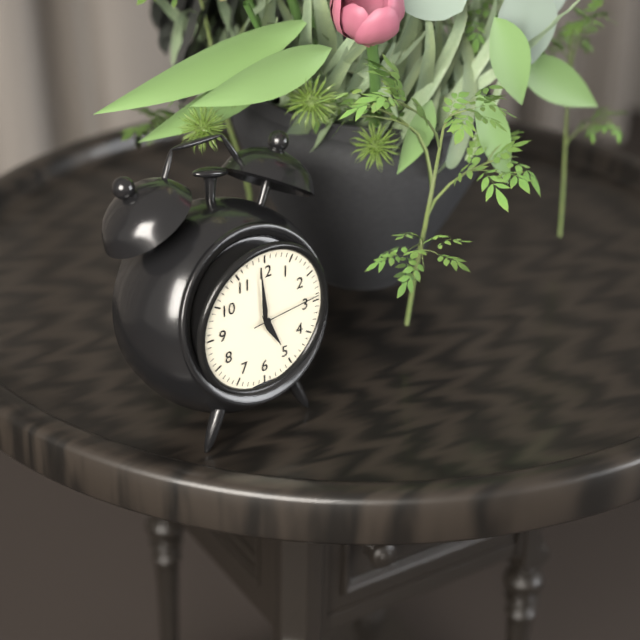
4:59:14
